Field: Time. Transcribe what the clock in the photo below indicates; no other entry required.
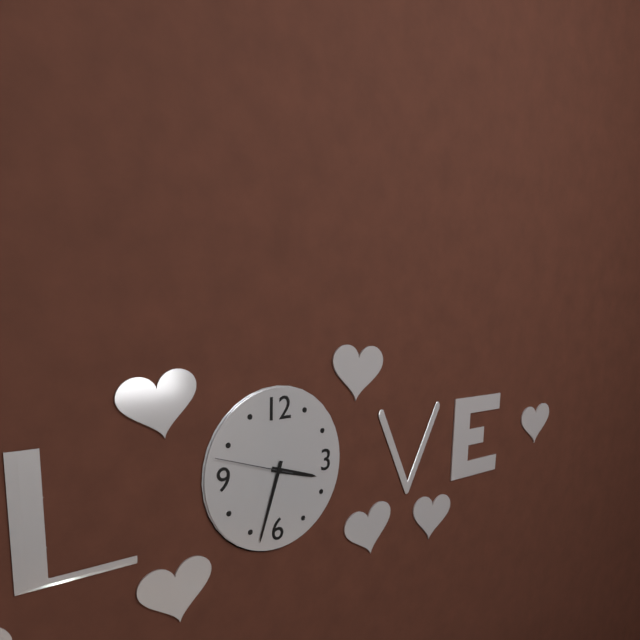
3:33:48
